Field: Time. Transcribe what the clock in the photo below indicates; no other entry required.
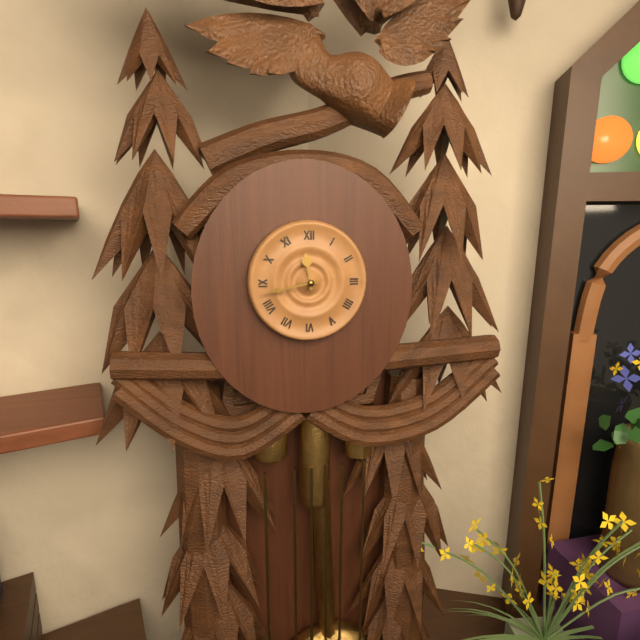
11:43
